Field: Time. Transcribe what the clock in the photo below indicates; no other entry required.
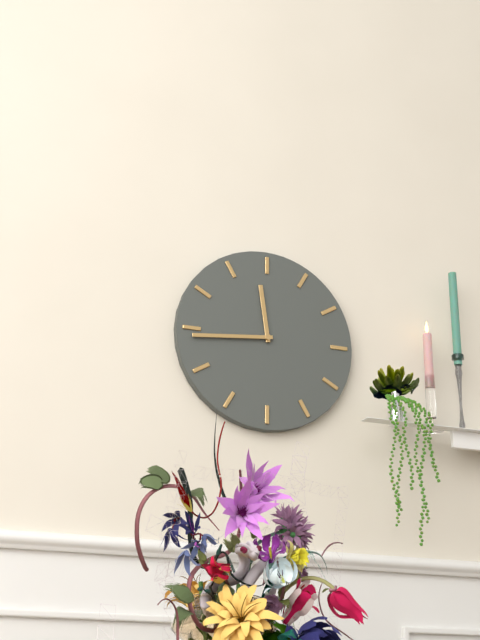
11:44
